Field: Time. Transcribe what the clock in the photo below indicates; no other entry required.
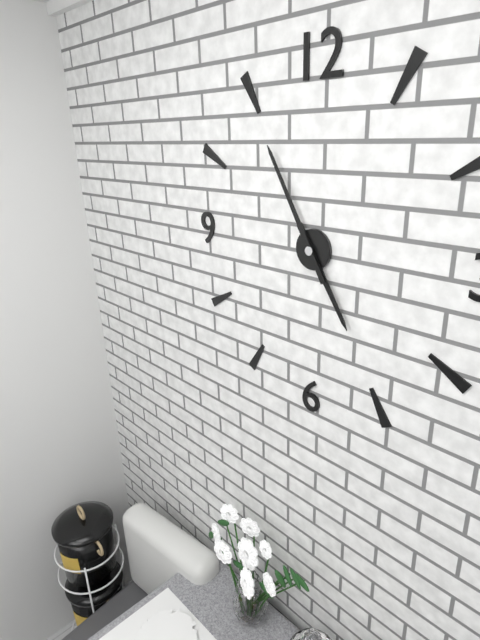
4:55
